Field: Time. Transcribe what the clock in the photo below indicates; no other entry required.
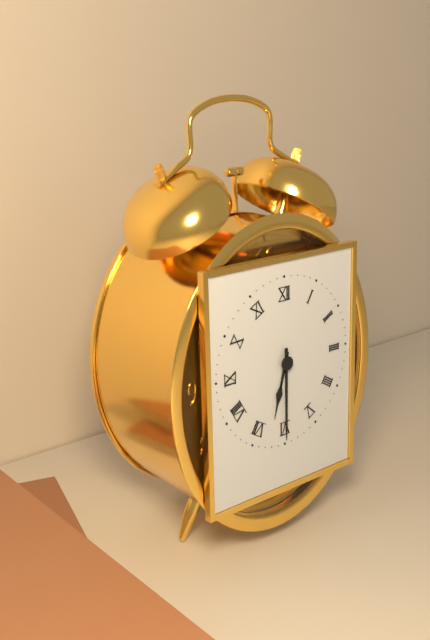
6:30
